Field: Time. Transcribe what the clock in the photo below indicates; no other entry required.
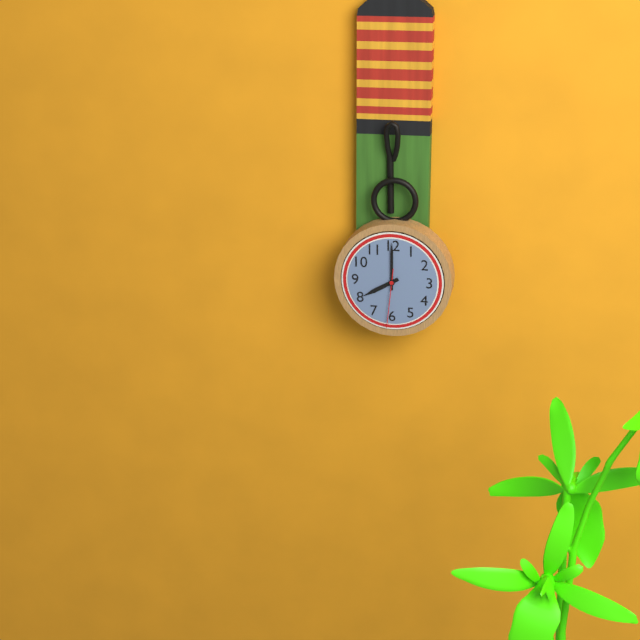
8:00:31
